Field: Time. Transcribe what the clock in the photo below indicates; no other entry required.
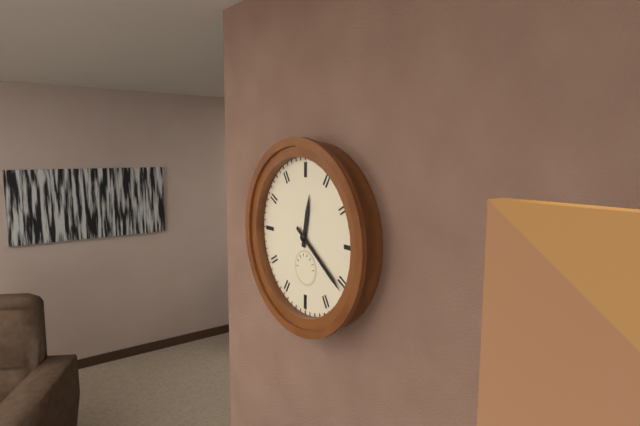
12:21
